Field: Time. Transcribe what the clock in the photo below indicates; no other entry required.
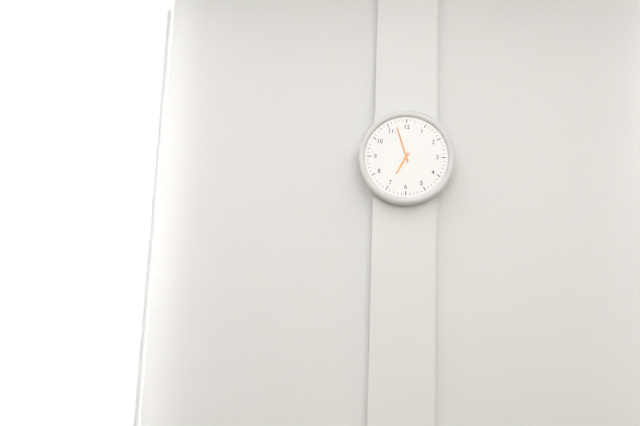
6:57
